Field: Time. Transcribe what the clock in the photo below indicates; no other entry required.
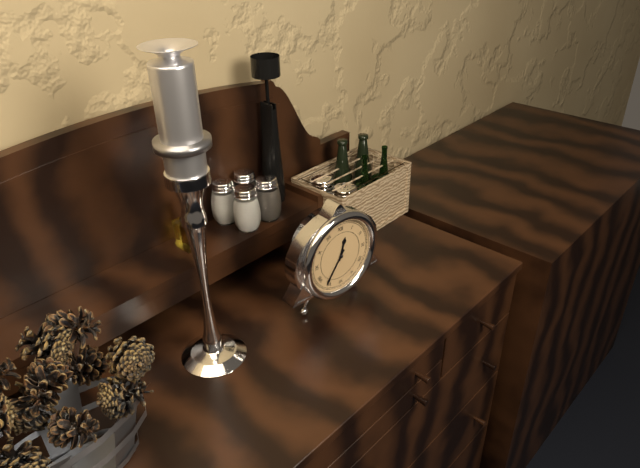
12:36
